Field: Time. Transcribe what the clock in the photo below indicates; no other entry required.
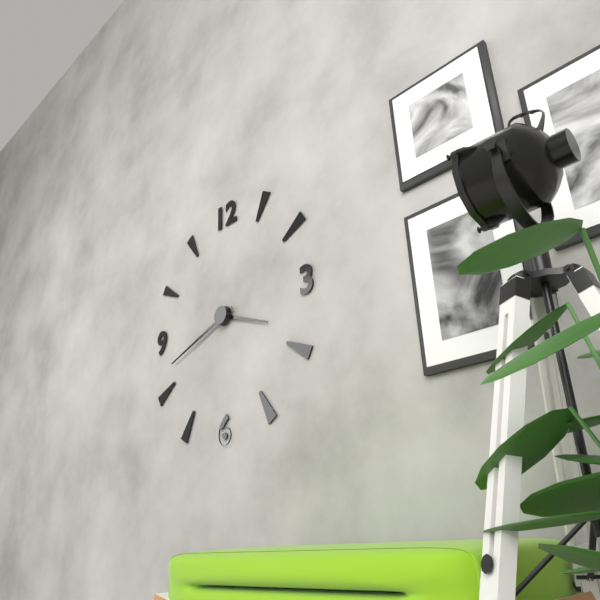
3:42
